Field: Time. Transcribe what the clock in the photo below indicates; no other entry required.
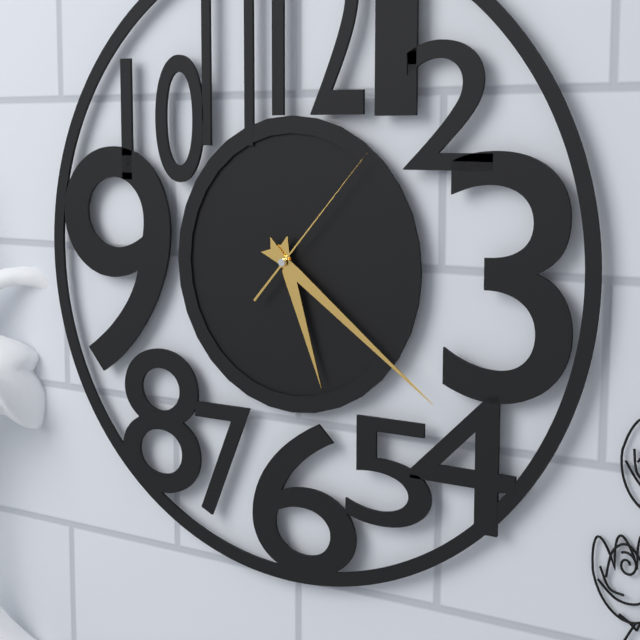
5:21:07
